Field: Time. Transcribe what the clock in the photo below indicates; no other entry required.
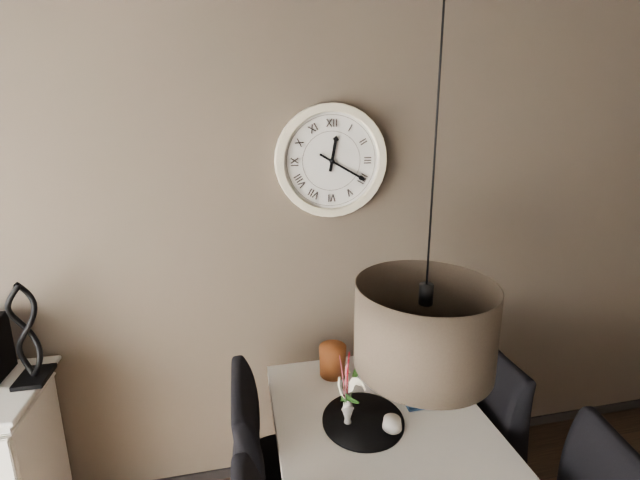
12:20
